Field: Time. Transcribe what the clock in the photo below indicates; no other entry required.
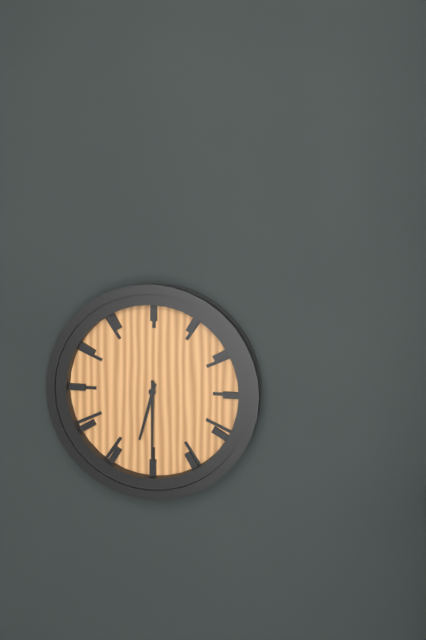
6:30
